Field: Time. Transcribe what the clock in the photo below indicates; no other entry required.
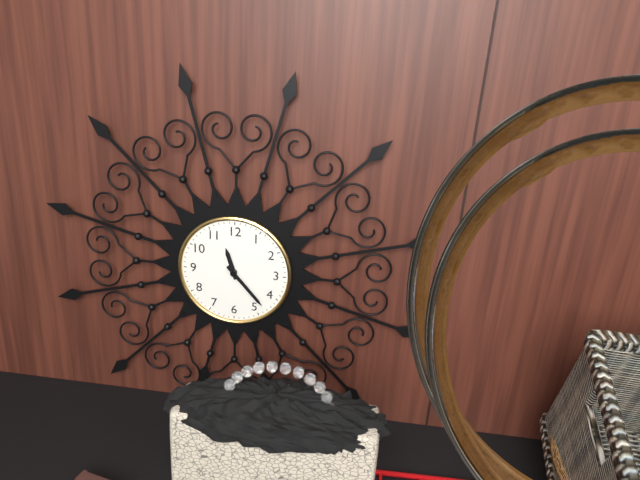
11:23
